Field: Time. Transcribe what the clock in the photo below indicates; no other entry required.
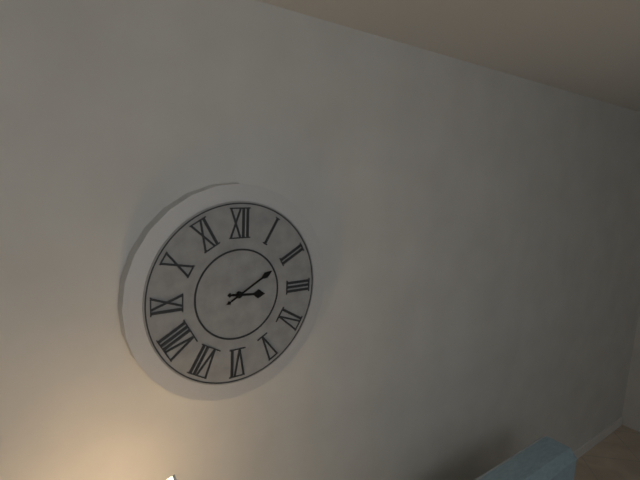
3:10
